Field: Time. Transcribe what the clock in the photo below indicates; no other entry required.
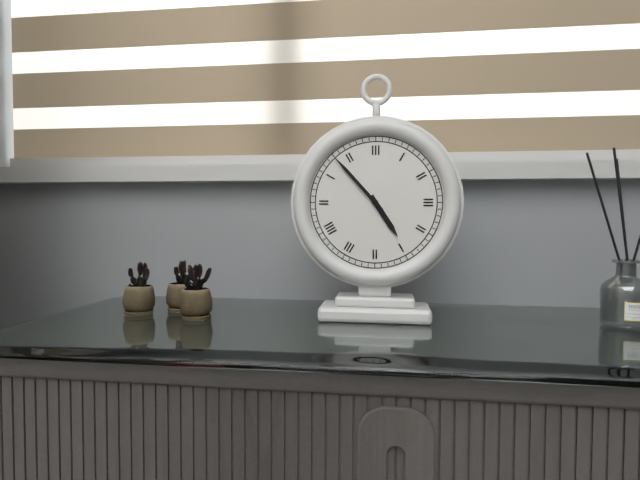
4:53
